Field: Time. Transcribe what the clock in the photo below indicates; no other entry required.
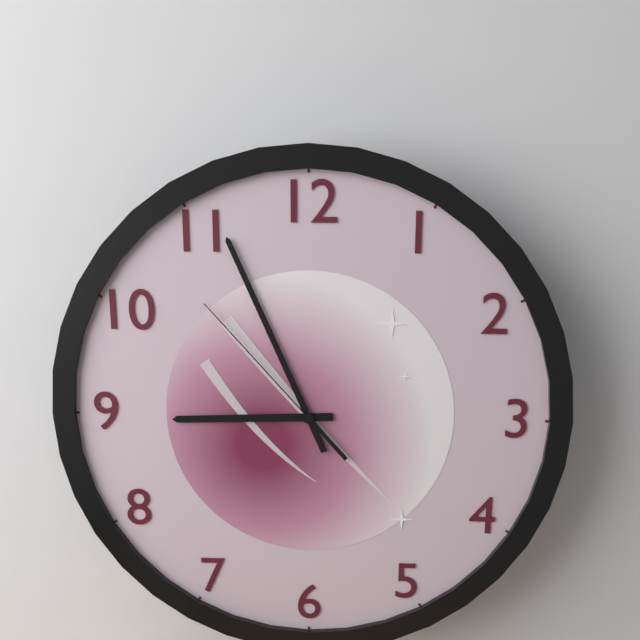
8:56:53
